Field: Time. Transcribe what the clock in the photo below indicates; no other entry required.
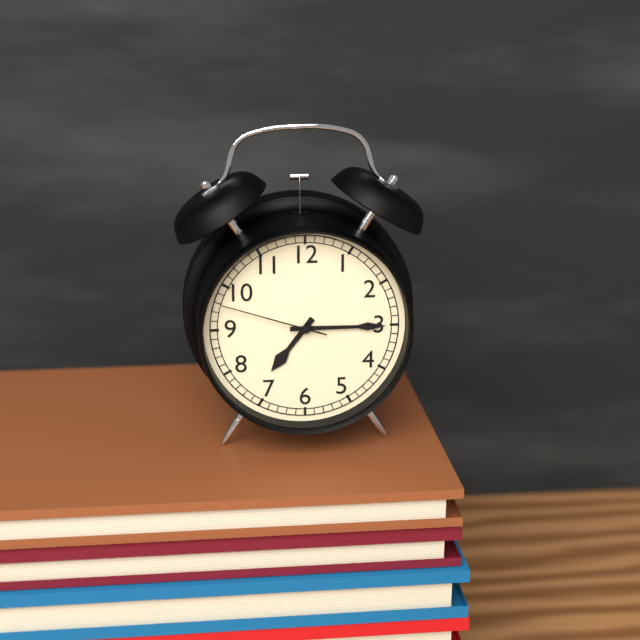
7:15:48
